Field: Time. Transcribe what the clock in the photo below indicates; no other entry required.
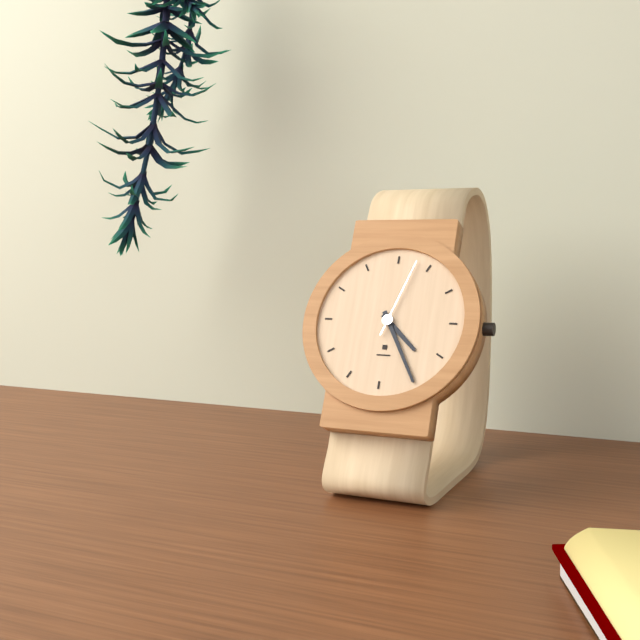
4:25:03
